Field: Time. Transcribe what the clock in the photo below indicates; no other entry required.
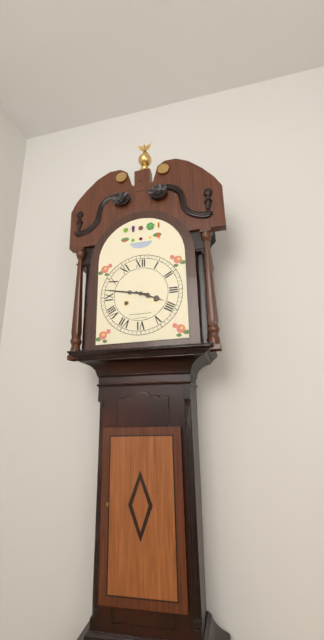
3:47
